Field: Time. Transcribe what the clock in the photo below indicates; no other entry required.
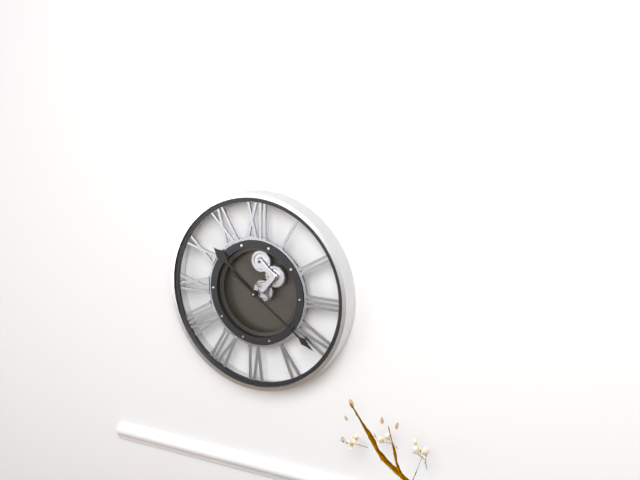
10:21
